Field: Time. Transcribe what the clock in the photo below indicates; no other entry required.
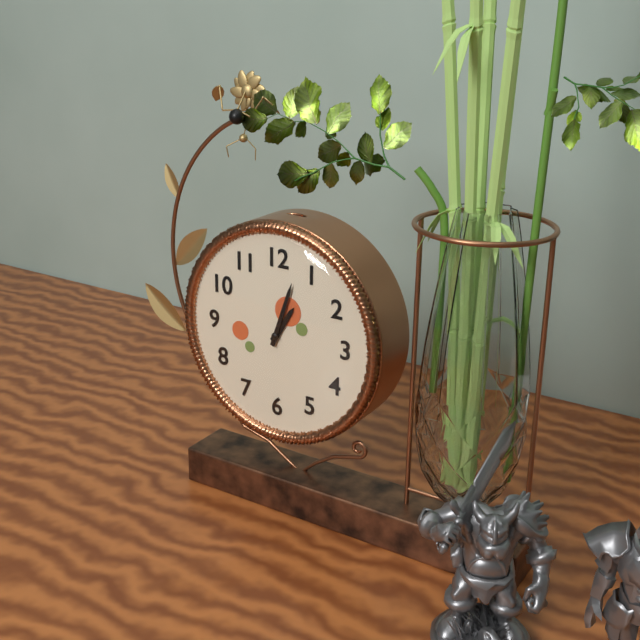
1:03
